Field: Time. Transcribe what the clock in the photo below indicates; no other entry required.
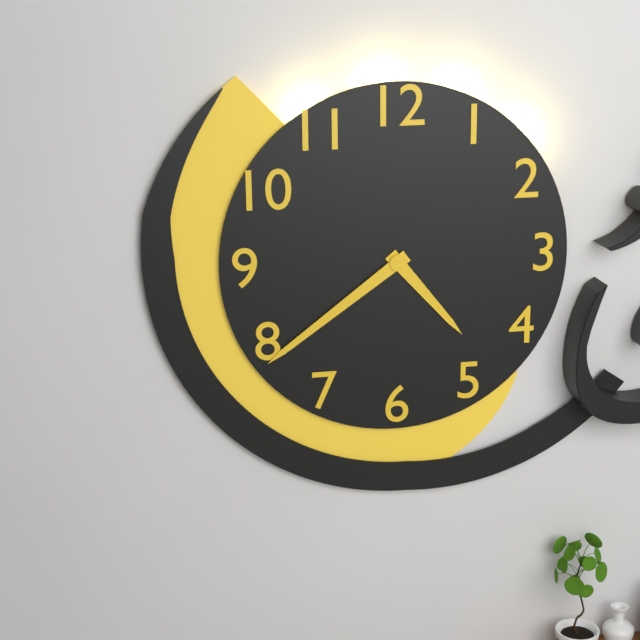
4:39
